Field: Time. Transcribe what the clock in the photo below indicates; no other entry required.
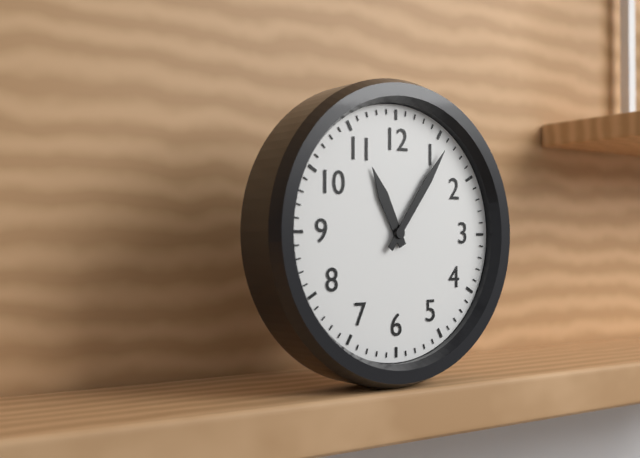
11:06
